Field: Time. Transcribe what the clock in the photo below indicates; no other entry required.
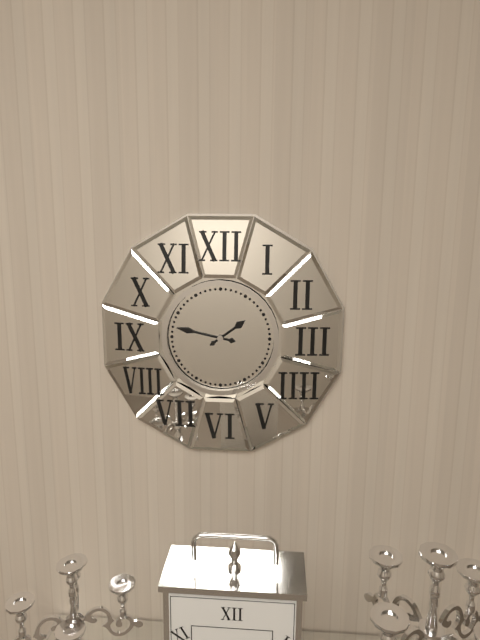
1:47
